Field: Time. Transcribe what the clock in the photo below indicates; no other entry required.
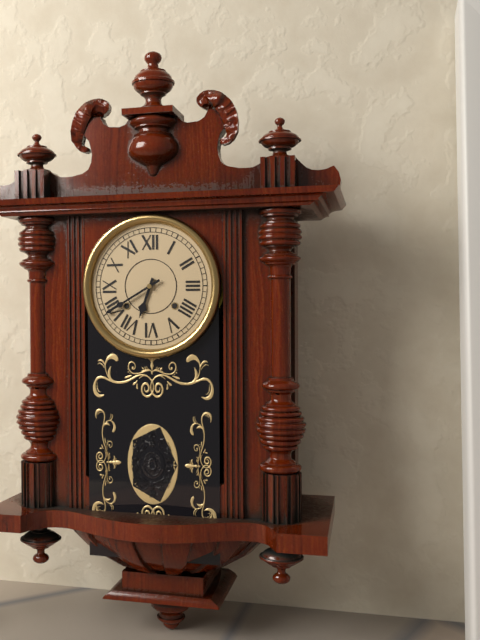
6:40
